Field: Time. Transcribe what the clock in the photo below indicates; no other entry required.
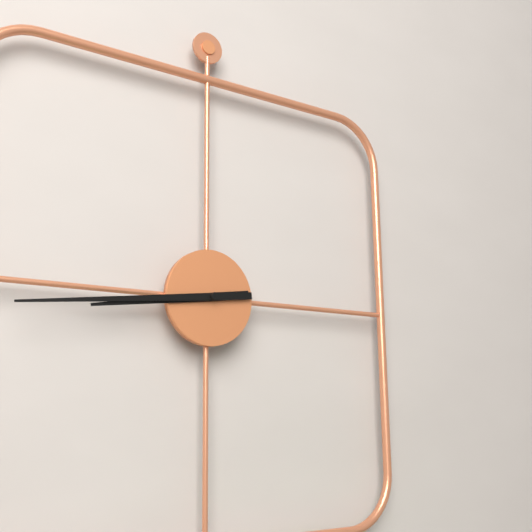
8:44
